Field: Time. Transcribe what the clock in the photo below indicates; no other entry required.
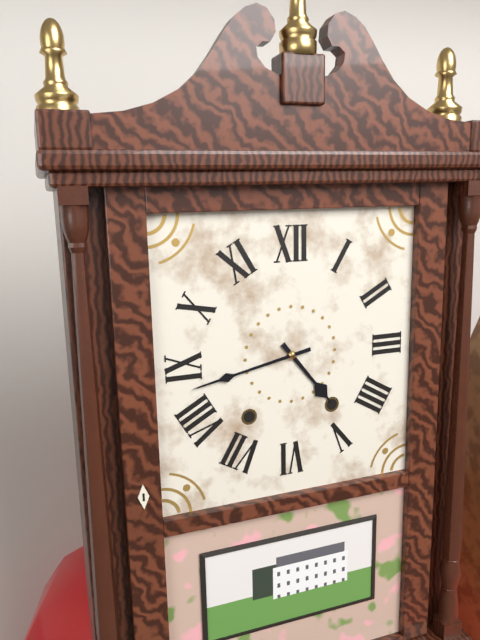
4:43
